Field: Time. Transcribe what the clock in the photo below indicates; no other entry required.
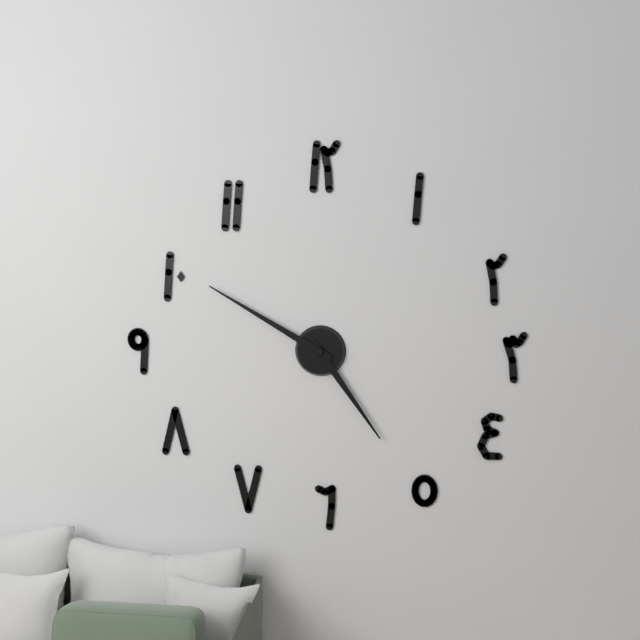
4:50
